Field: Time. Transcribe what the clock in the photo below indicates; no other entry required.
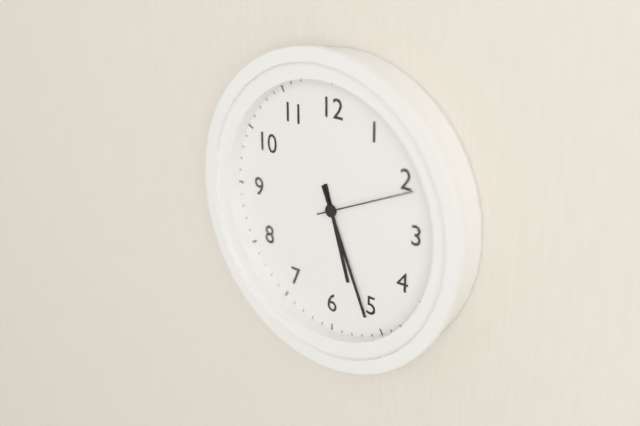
5:26:11
